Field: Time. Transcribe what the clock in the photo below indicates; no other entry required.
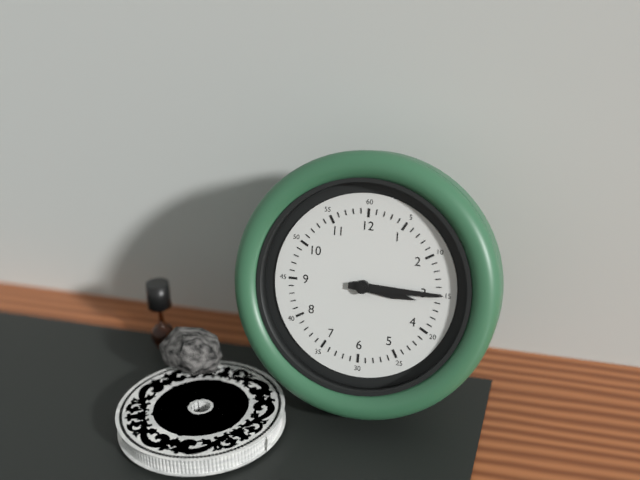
3:15
